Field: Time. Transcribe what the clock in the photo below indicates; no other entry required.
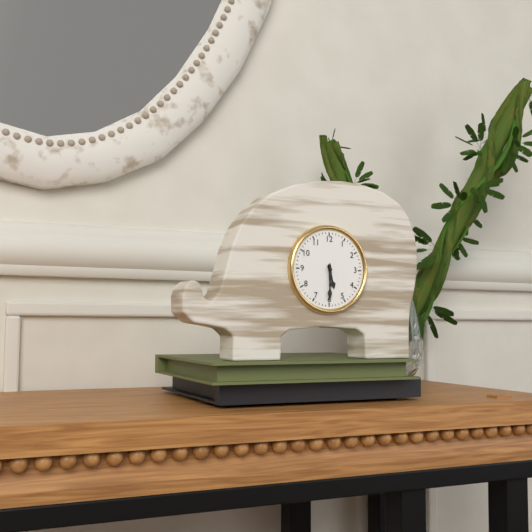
5:30
